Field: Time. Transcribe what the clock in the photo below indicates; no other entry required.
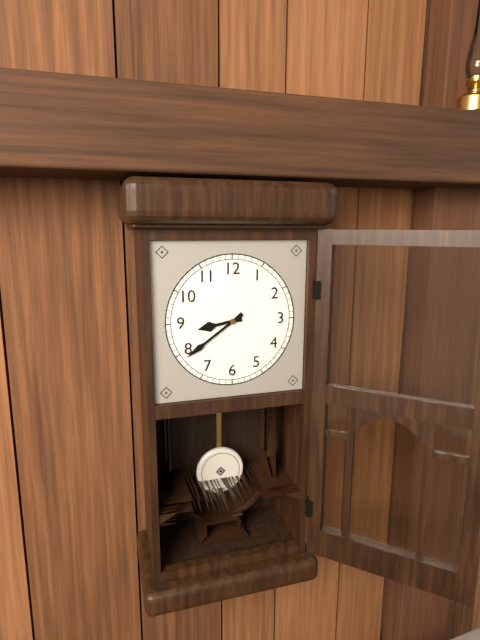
8:39
